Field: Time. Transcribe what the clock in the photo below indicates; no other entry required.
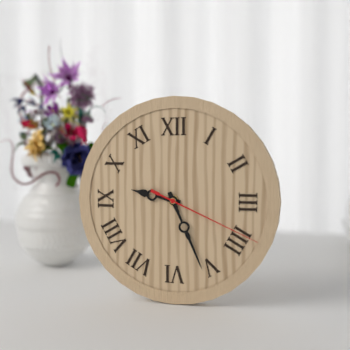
9:26:19
